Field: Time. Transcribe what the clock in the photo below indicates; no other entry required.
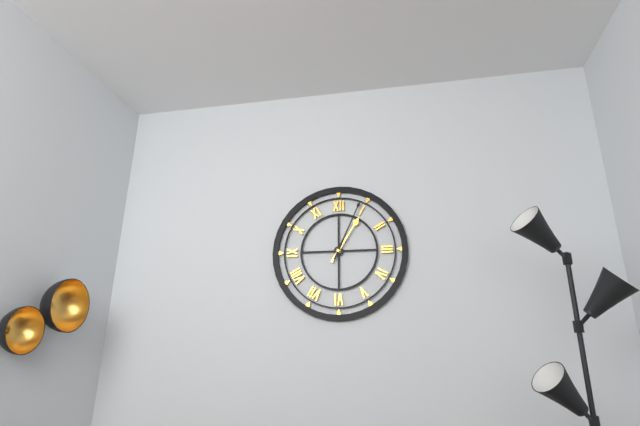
1:04
